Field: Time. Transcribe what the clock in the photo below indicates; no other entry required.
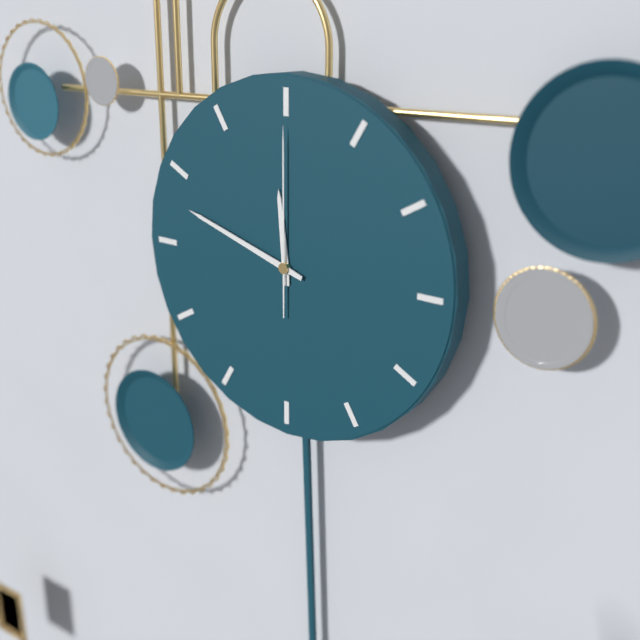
11:48:00
